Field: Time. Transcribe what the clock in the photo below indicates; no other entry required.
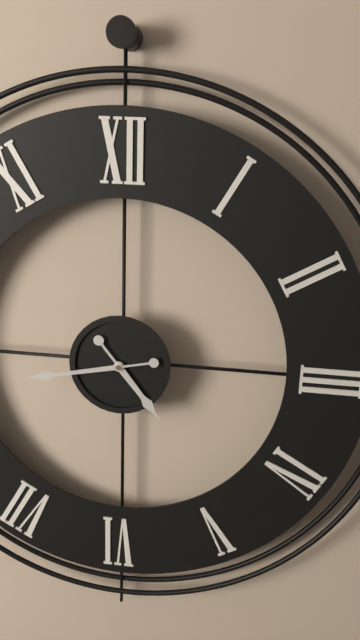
4:43
